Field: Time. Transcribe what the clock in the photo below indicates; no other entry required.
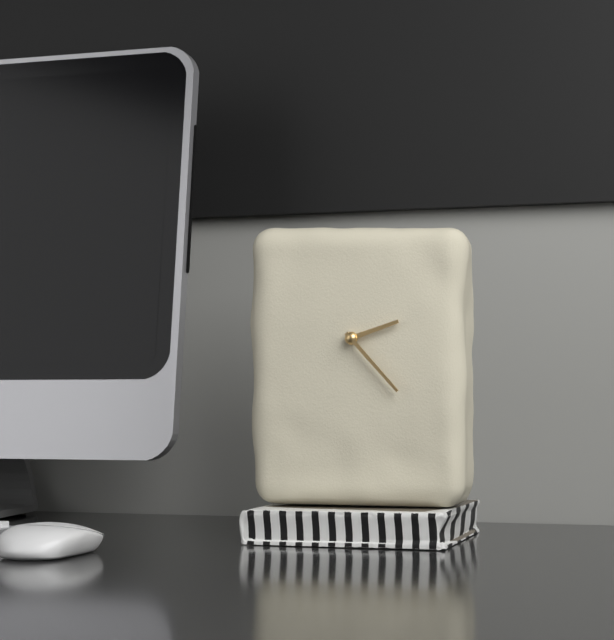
2:23
